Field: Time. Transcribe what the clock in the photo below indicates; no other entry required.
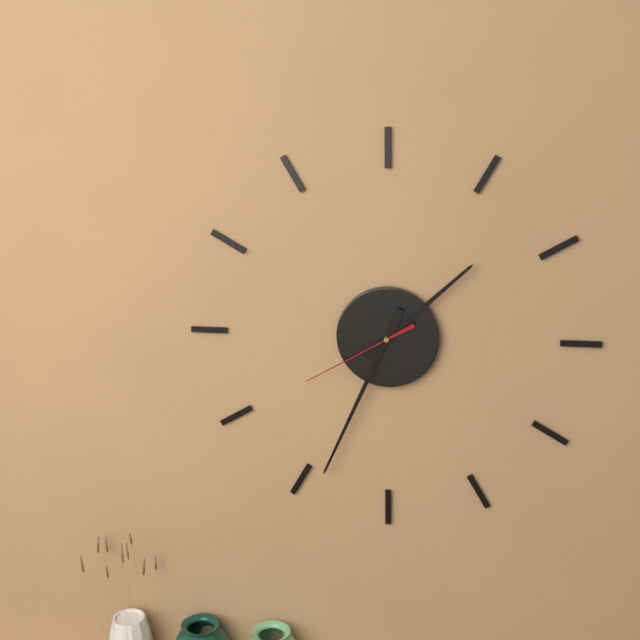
1:34:40
